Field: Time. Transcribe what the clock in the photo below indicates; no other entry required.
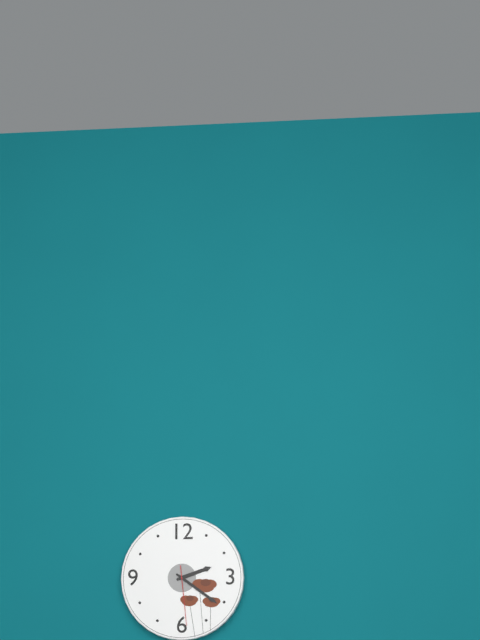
2:21:29
